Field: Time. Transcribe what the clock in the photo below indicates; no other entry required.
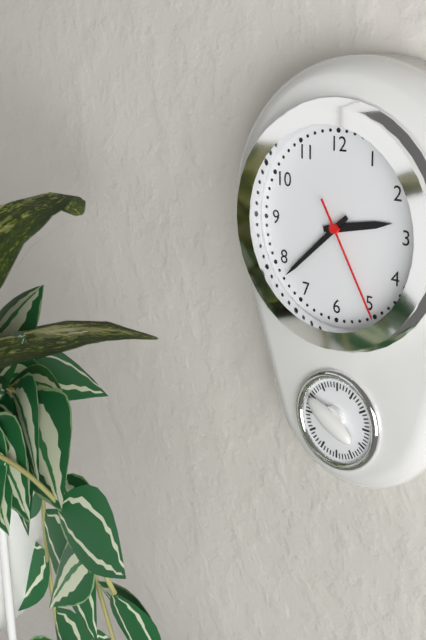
2:38:25
